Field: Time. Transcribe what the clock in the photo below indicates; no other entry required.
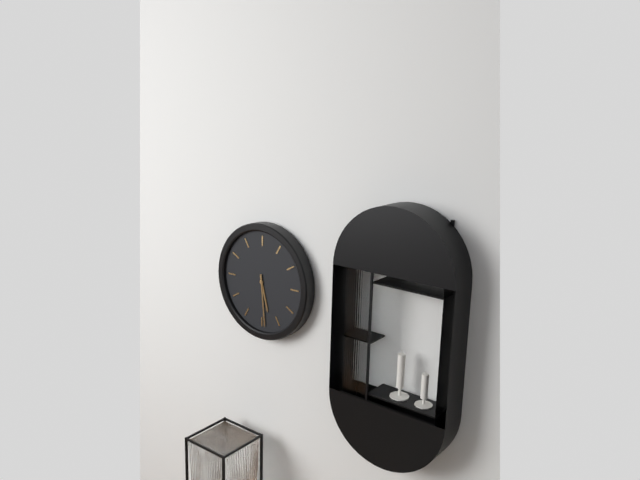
5:29
